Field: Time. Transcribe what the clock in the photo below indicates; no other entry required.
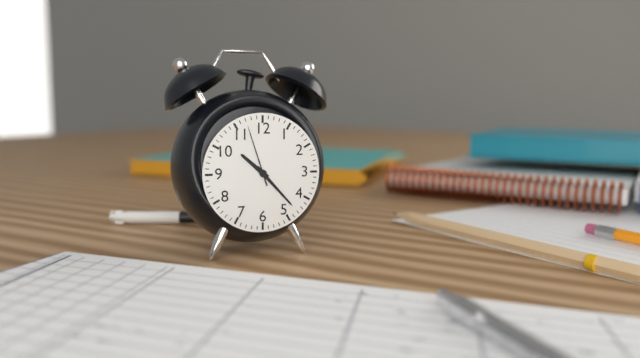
10:23:57
